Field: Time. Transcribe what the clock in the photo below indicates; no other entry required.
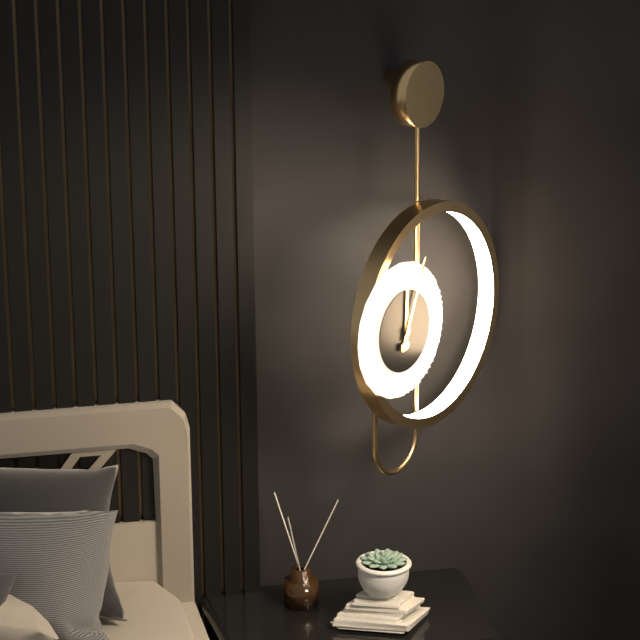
12:04
